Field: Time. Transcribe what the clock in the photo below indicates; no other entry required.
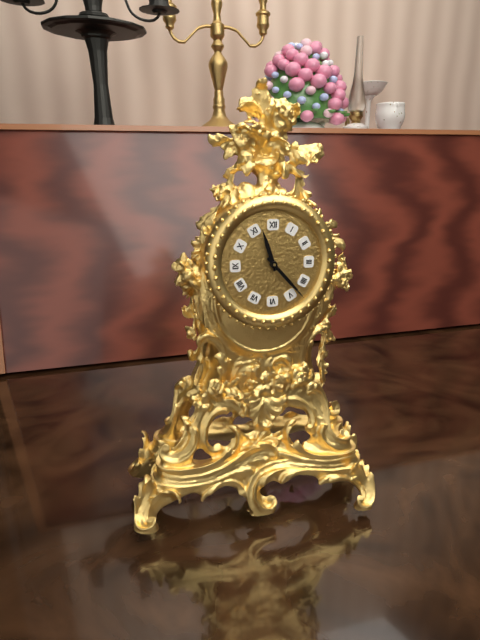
11:23
